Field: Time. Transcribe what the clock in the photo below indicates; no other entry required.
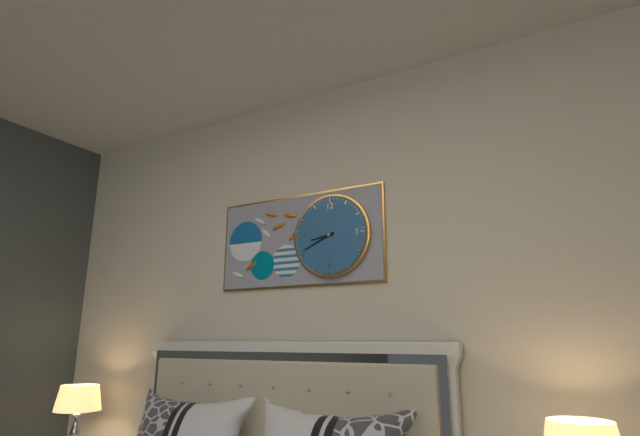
8:41
